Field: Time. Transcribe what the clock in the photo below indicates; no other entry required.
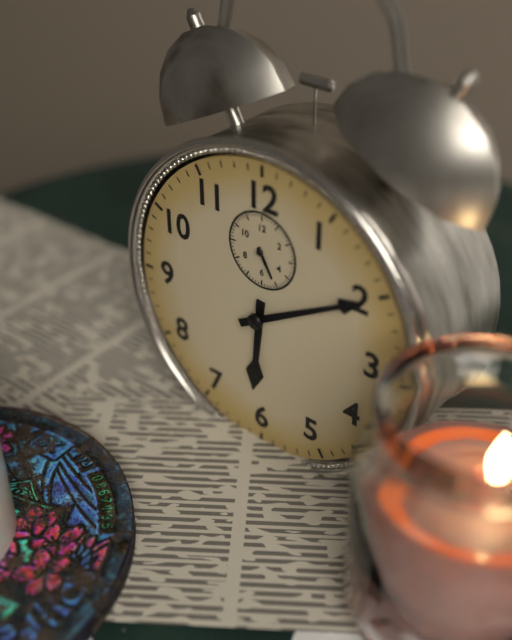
6:10
